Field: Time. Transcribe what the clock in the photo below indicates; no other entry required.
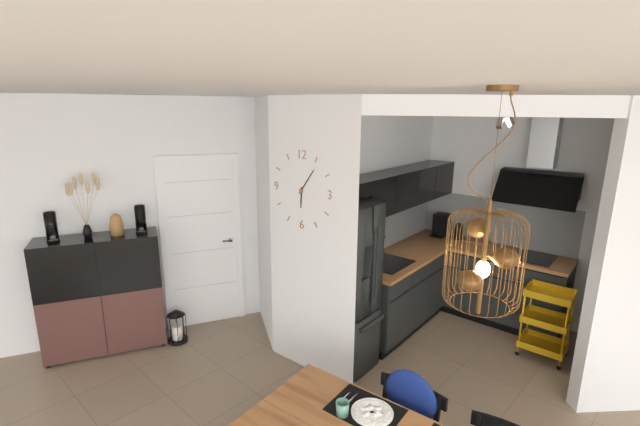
6:06
